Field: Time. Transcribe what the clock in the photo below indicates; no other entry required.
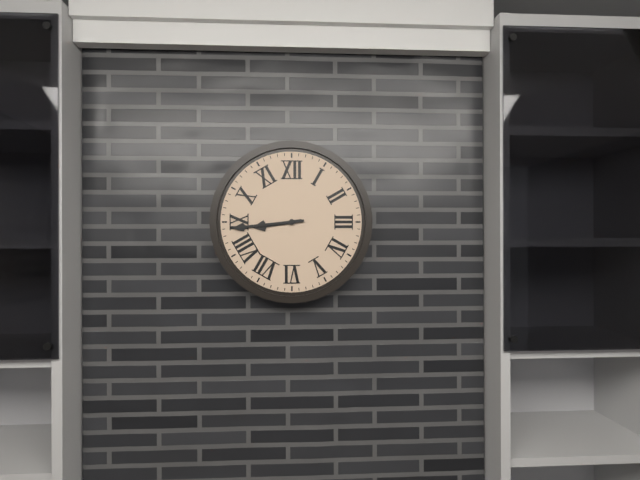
8:44
